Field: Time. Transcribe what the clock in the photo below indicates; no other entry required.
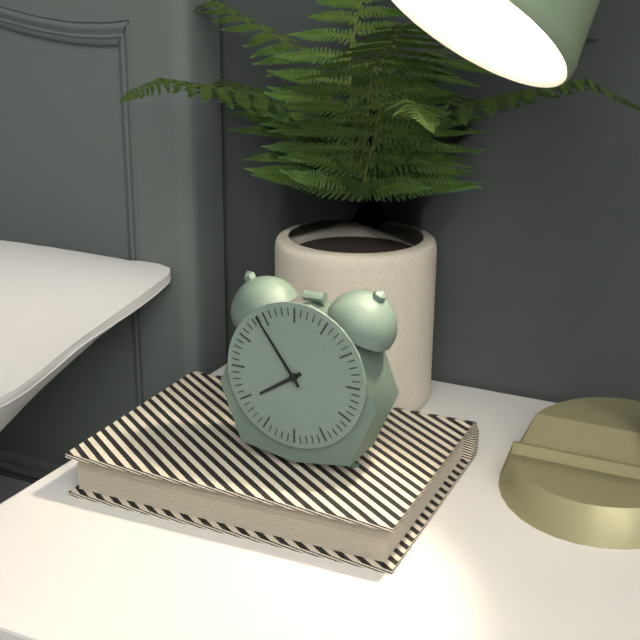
7:54
